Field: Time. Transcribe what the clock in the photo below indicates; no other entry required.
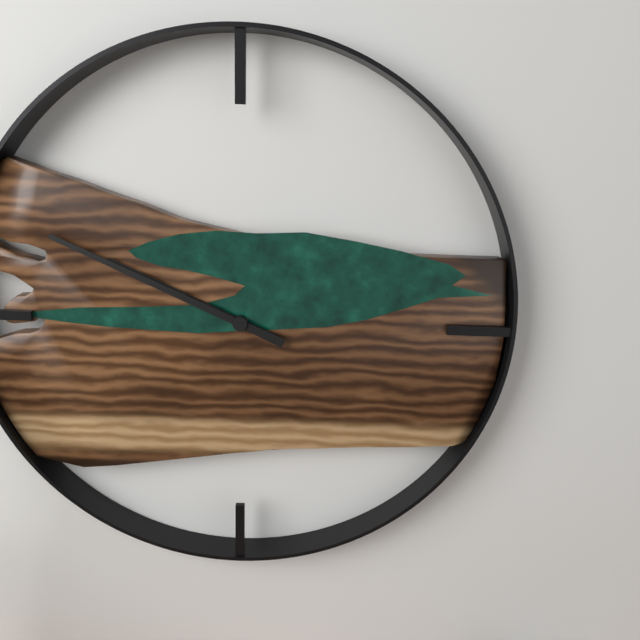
9:49
